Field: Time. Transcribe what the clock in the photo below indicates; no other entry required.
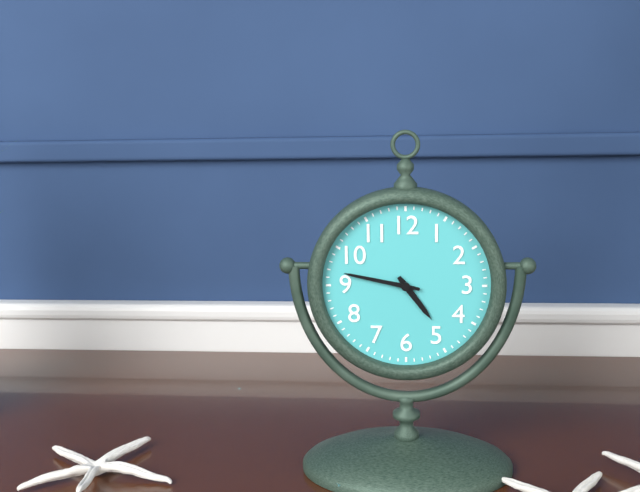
4:47
